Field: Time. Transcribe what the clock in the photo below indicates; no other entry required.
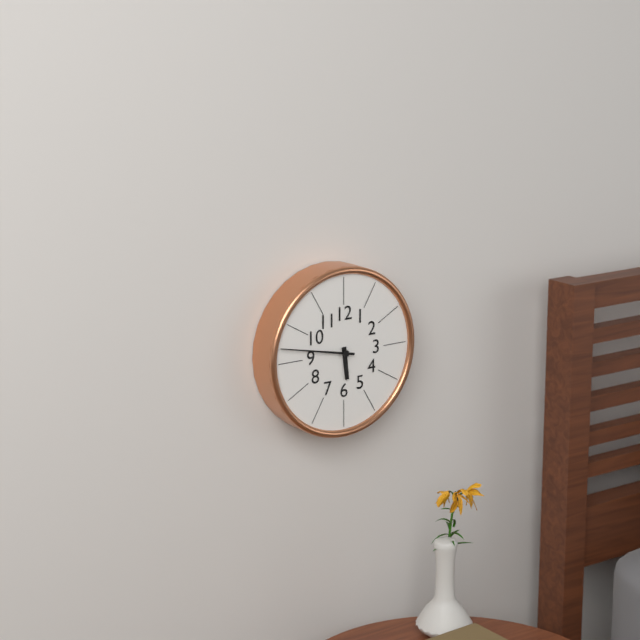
5:47
